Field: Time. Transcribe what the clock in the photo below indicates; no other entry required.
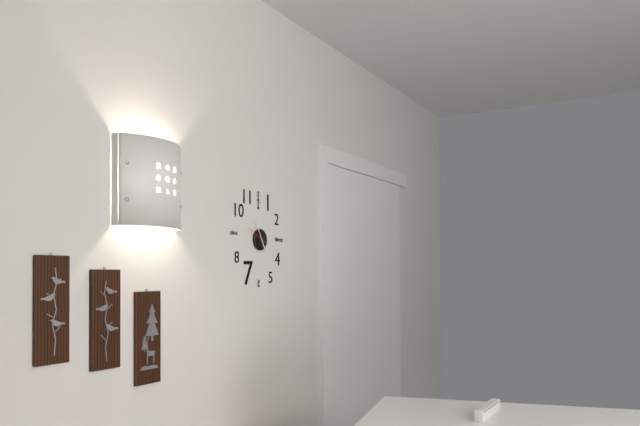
4:55
